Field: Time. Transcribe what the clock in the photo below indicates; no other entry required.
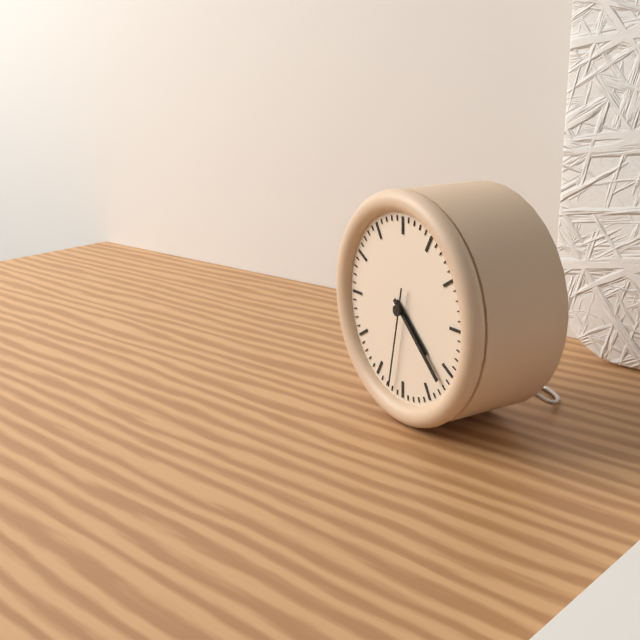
4:22:32
